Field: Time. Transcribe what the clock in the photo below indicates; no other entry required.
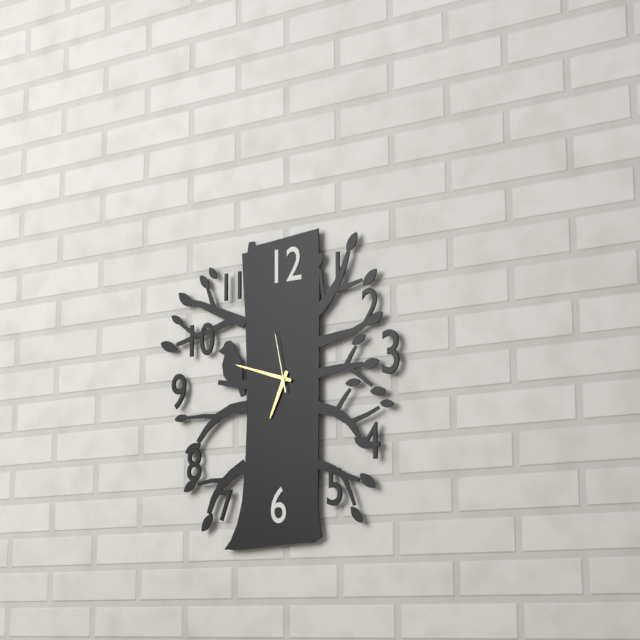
6:48:58
